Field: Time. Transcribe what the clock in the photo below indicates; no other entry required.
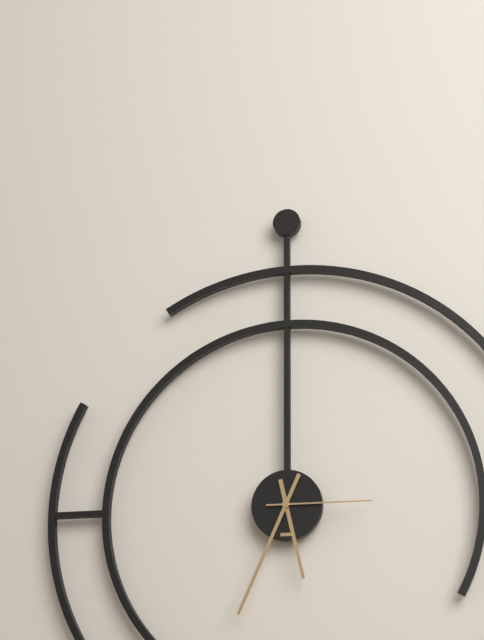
5:34:15
